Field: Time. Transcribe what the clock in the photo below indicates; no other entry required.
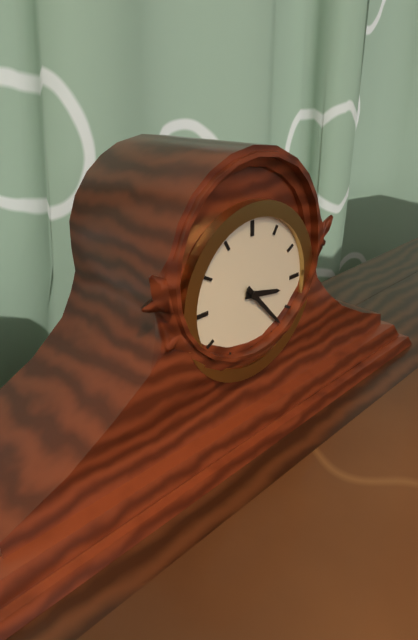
3:23
